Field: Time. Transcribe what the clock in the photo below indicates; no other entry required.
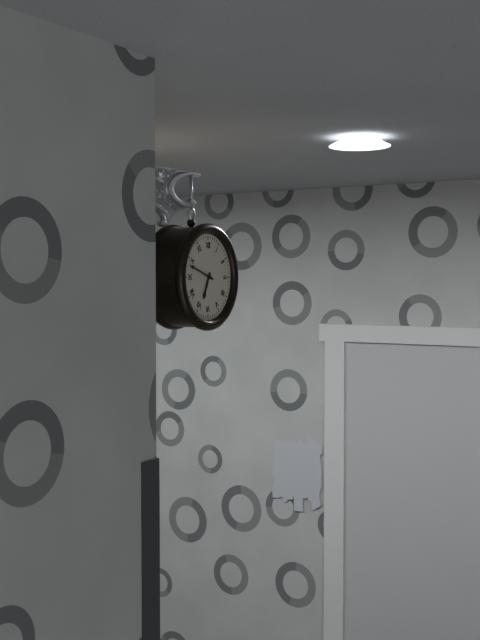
6:48
